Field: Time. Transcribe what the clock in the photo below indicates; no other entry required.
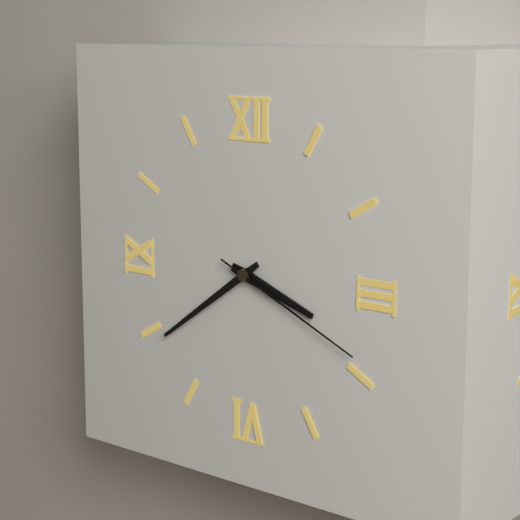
3:39:19
